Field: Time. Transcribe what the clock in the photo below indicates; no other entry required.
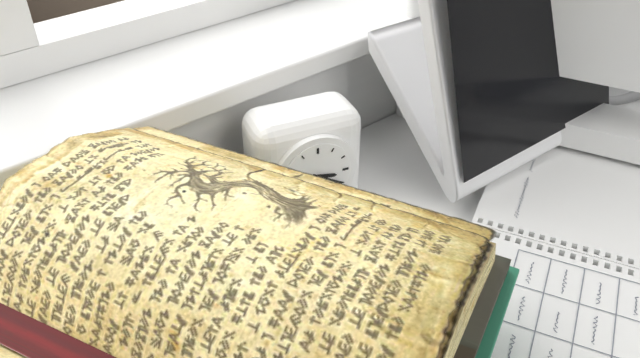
3:20
